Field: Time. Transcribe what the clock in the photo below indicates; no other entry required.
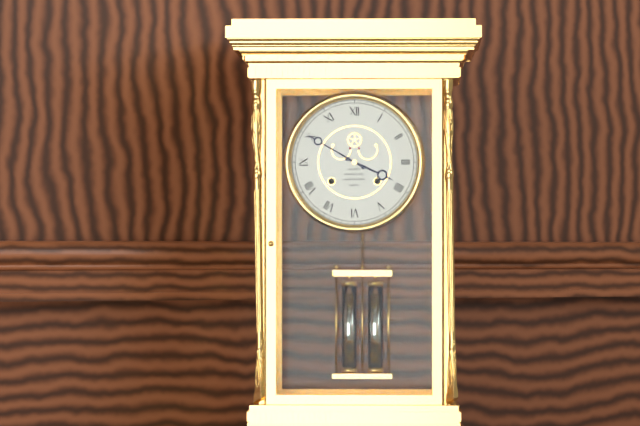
3:50
